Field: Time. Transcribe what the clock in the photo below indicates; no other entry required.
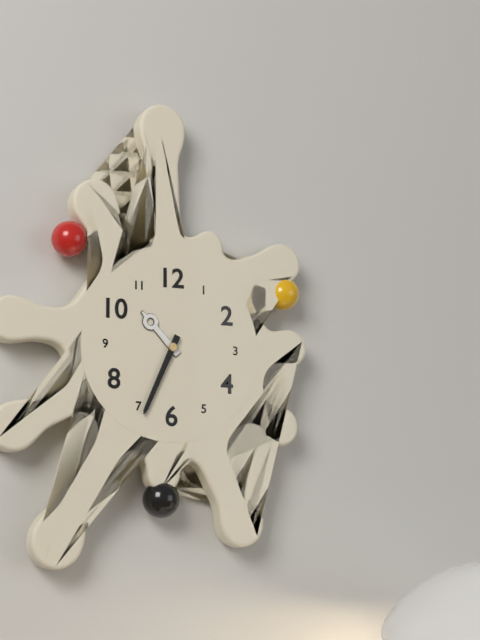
10:34
